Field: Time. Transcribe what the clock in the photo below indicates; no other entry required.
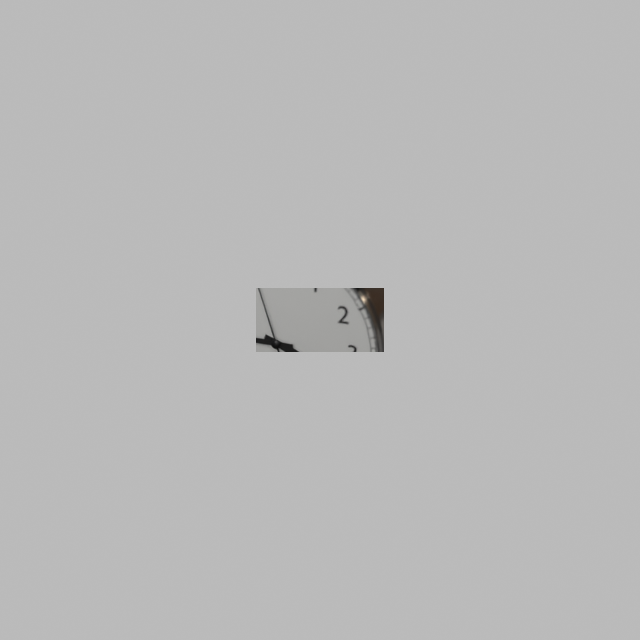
3:45:57
